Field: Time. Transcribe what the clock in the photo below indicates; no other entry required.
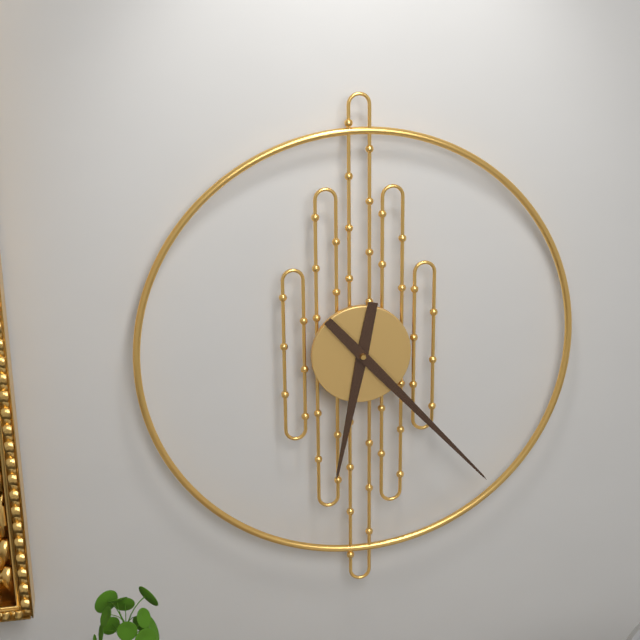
6:23
